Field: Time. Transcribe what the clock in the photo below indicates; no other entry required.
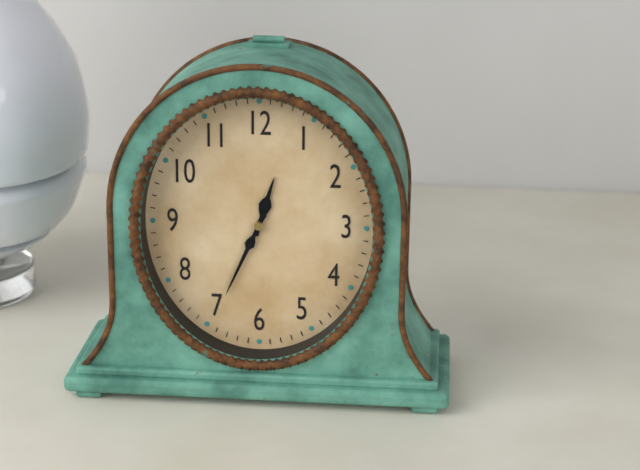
12:34
